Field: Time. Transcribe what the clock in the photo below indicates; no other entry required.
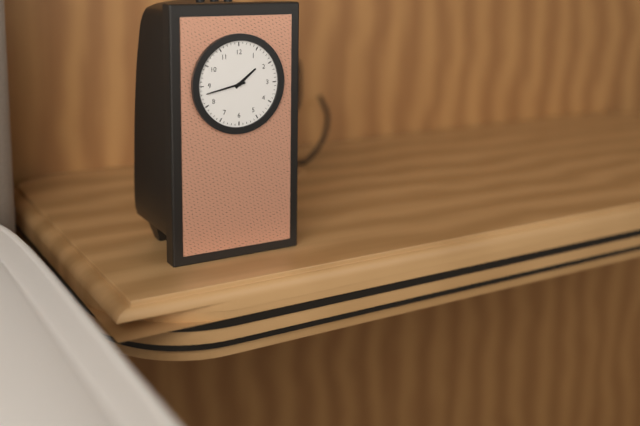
1:43
